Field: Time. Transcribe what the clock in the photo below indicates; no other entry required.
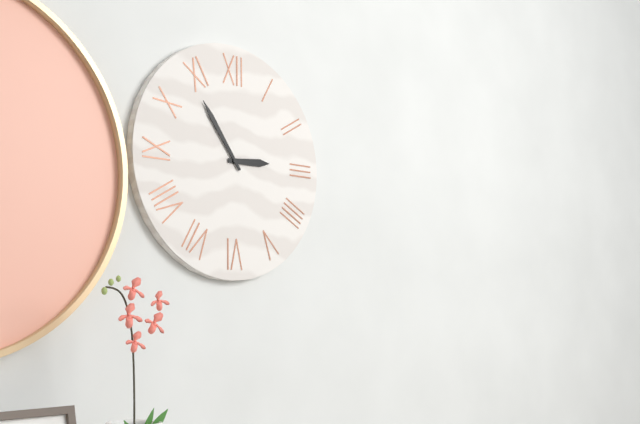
2:54
